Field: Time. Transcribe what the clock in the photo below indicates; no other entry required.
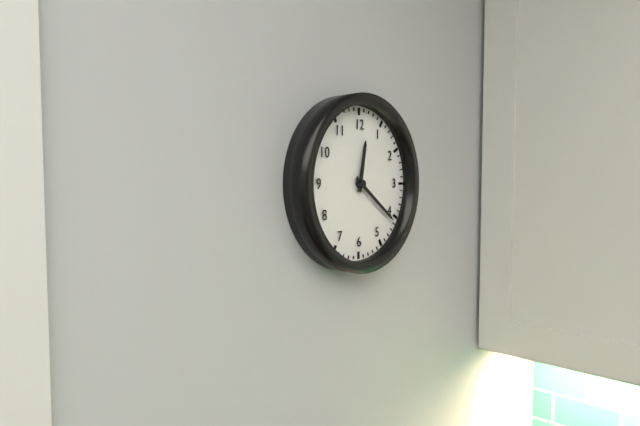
12:21
